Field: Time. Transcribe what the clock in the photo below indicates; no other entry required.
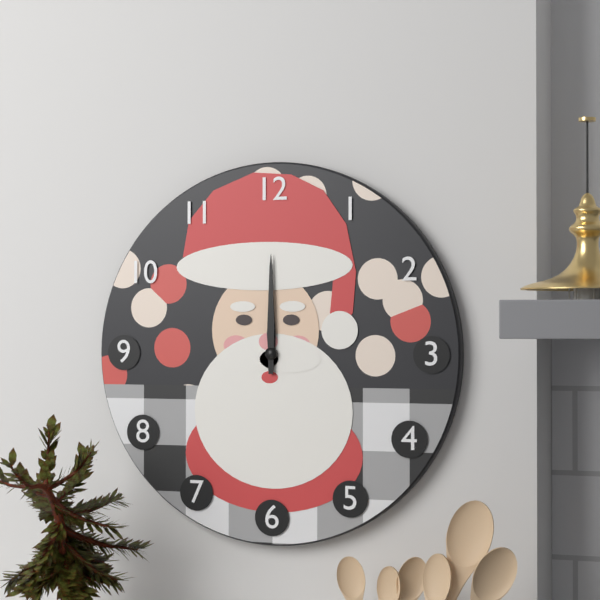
12:00
